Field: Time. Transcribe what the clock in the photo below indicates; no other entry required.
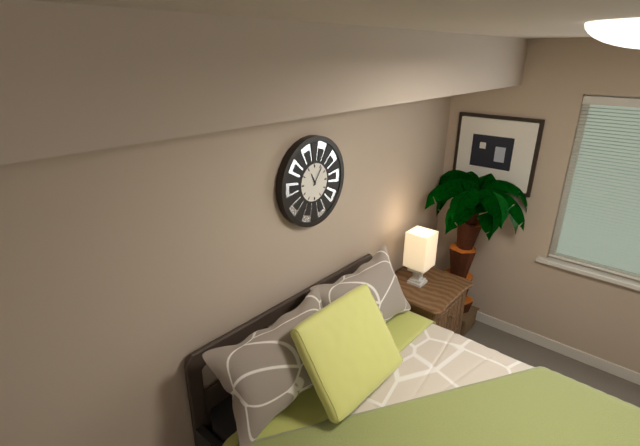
11:06
